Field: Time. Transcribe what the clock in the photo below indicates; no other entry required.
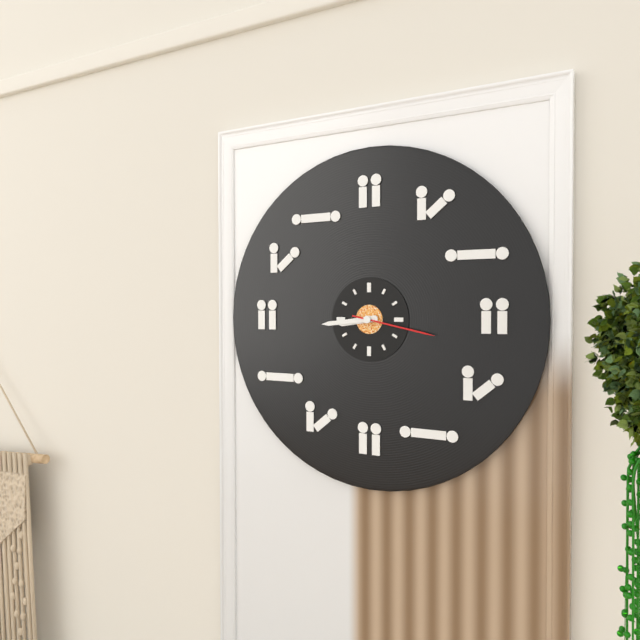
8:44:17
